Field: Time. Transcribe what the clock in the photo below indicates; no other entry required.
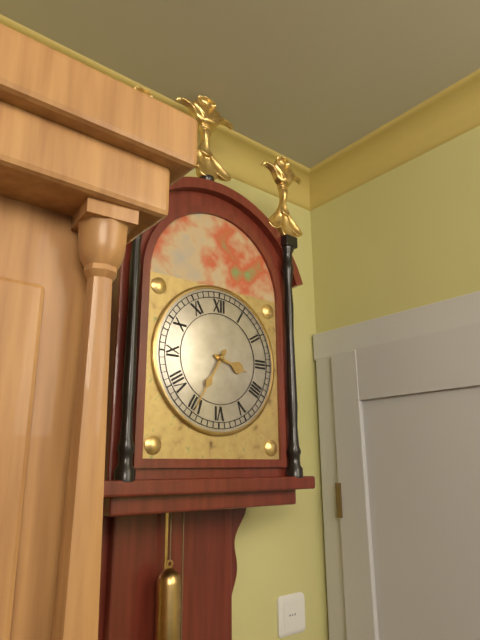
3:35
